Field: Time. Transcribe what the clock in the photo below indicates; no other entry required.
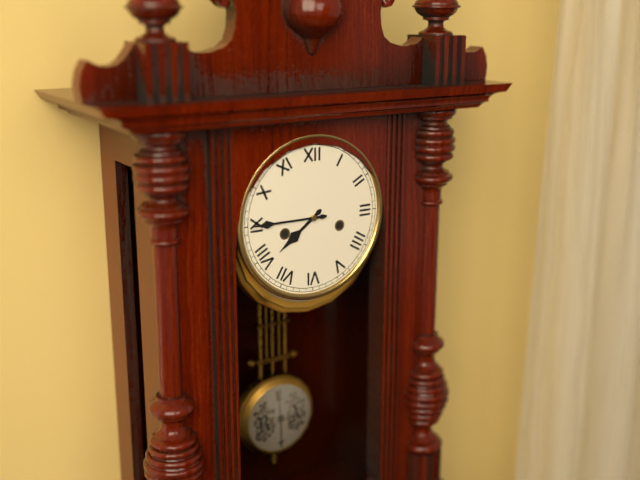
7:45
